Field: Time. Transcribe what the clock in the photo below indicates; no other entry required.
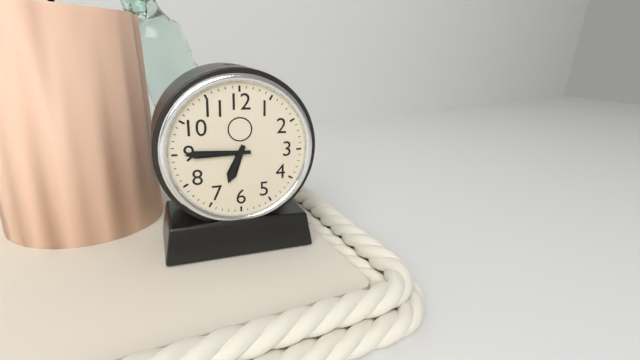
6:45
